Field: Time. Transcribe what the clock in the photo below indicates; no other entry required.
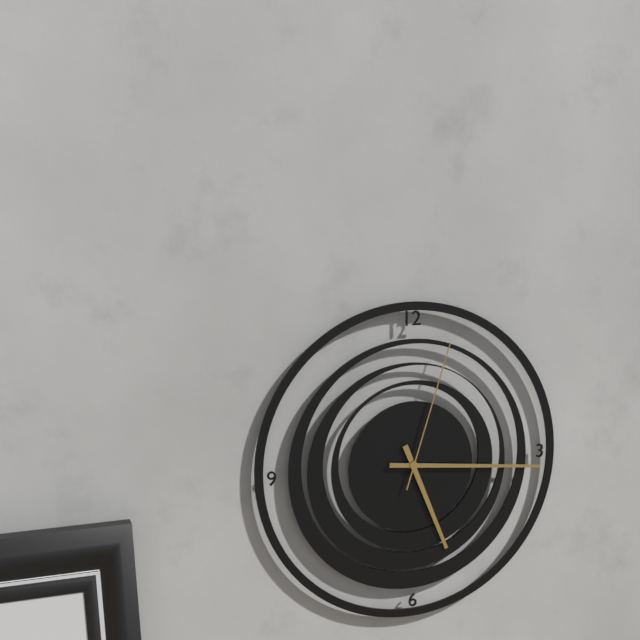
5:16:03
